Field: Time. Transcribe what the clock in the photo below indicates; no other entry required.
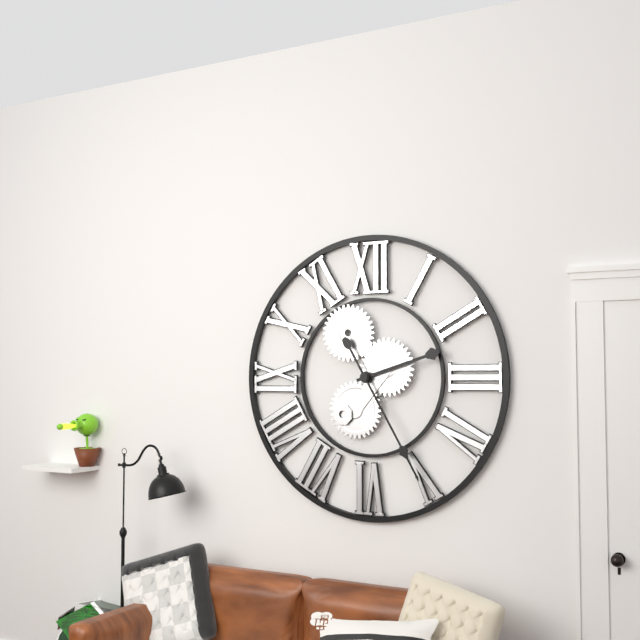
2:25
